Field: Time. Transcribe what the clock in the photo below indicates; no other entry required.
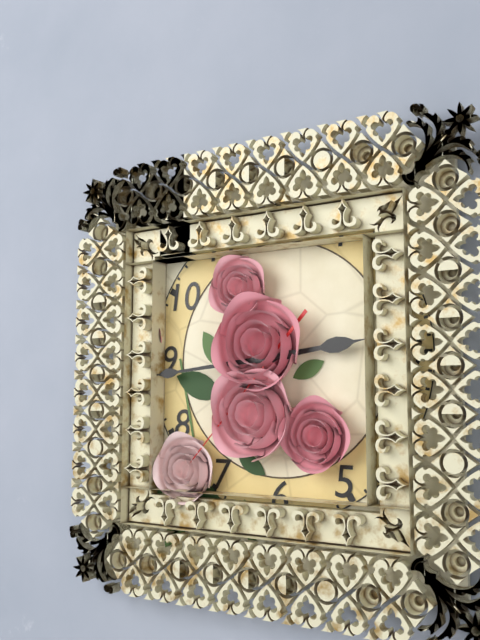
2:44:37
